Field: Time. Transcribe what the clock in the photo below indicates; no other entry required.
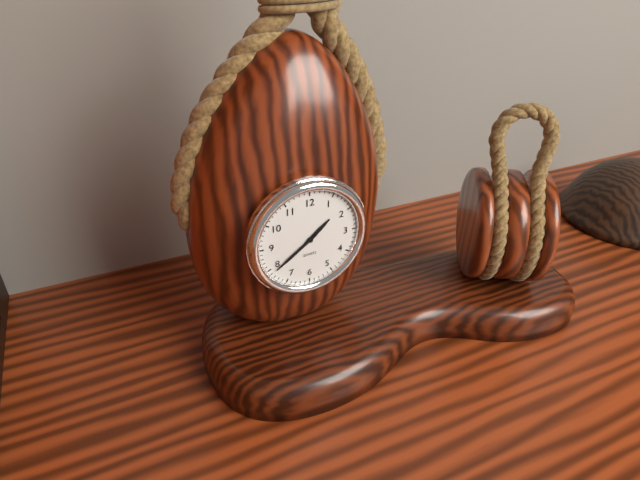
1:39
